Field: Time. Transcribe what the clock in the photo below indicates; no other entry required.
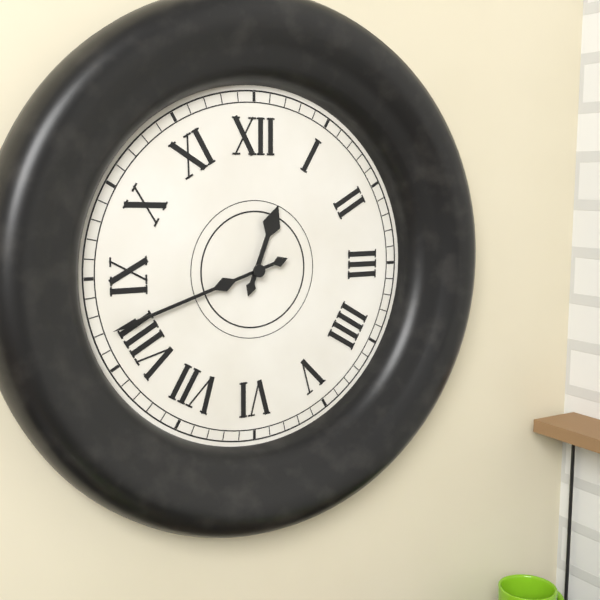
12:42
